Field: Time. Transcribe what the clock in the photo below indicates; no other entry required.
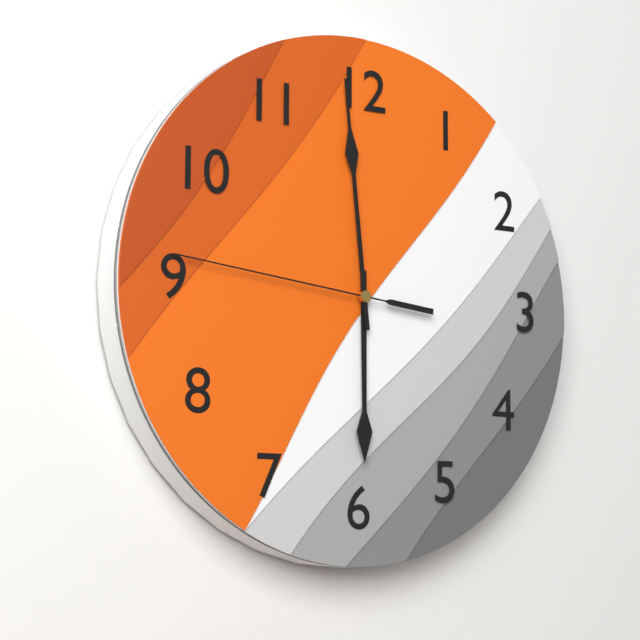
5:59:46
